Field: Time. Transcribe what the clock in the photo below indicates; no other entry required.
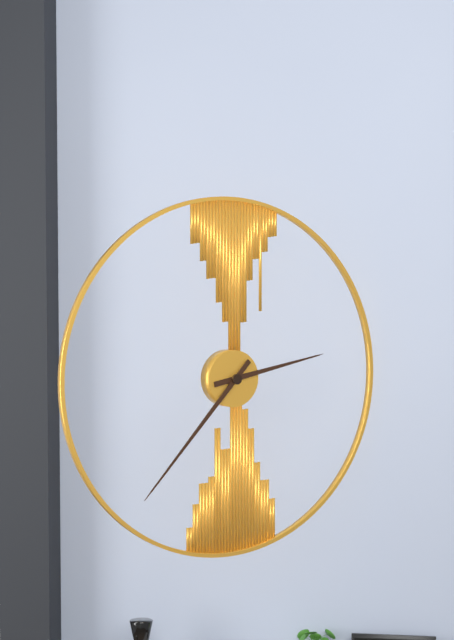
2:37
